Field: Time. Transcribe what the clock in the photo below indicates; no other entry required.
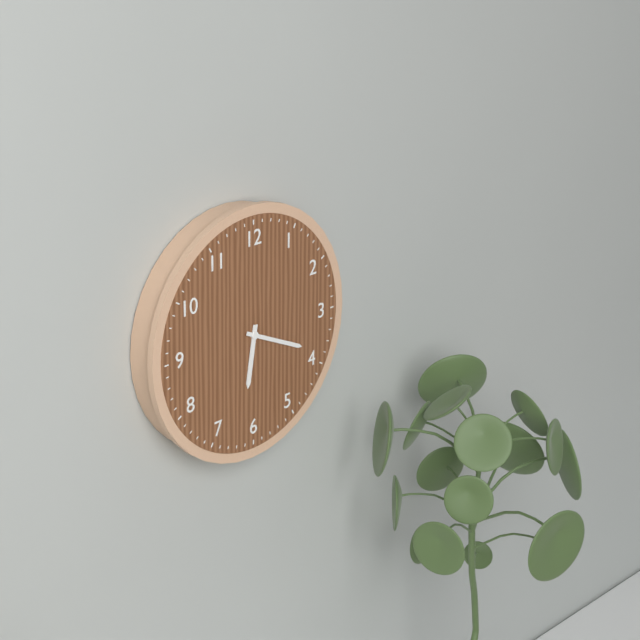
6:19
